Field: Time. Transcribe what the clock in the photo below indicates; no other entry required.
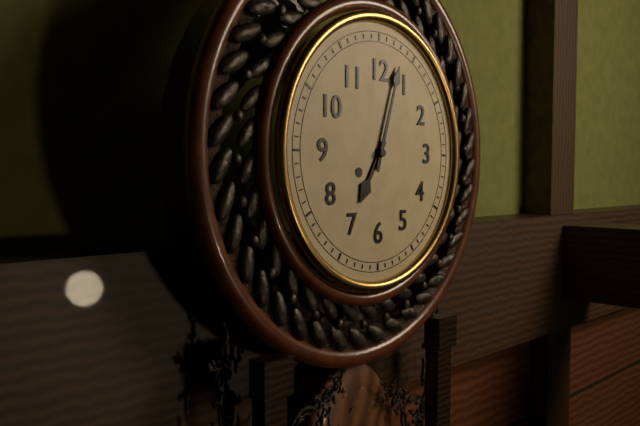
7:03
